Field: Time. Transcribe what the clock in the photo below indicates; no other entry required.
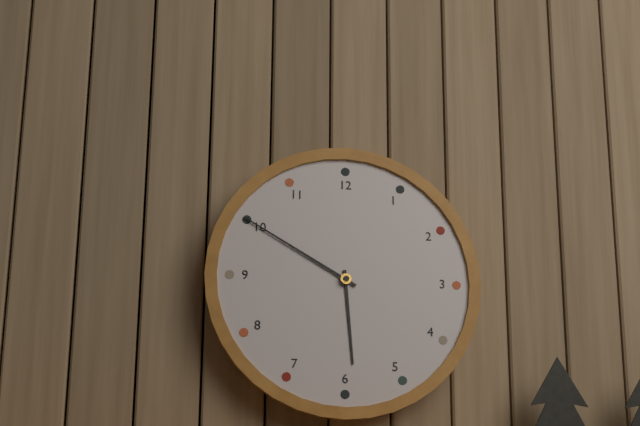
5:50
